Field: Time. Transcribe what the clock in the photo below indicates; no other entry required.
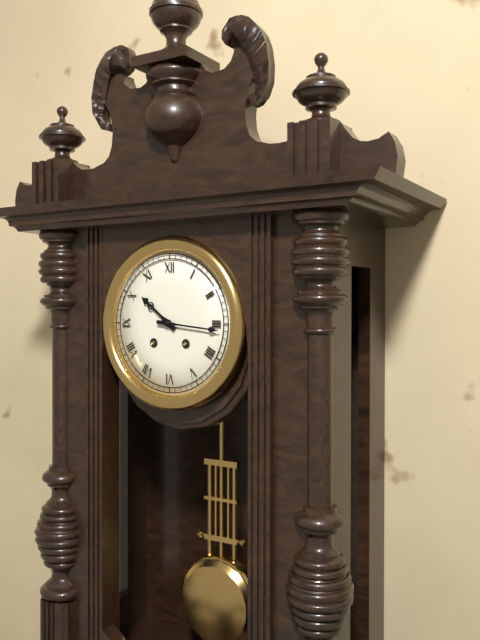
10:16
